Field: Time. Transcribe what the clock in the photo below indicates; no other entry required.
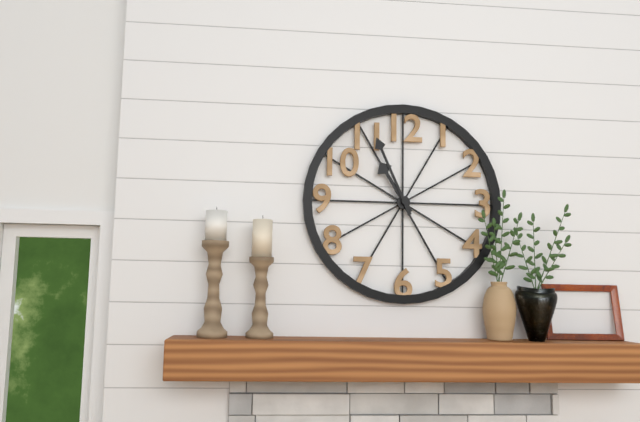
10:56
